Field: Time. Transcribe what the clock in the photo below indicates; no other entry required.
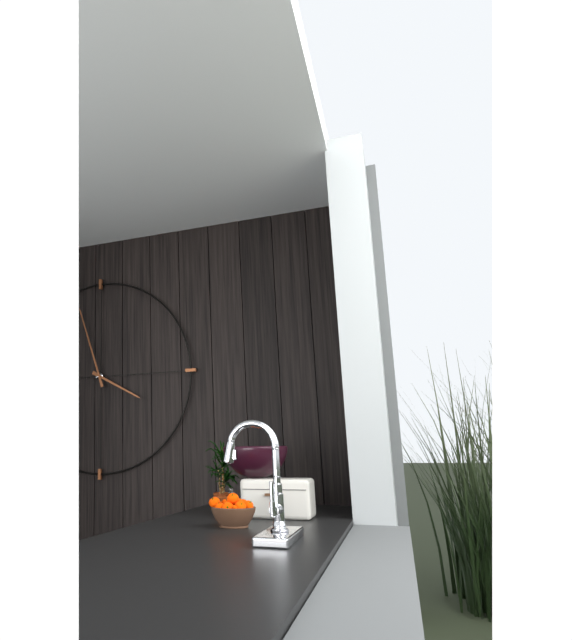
3:57
